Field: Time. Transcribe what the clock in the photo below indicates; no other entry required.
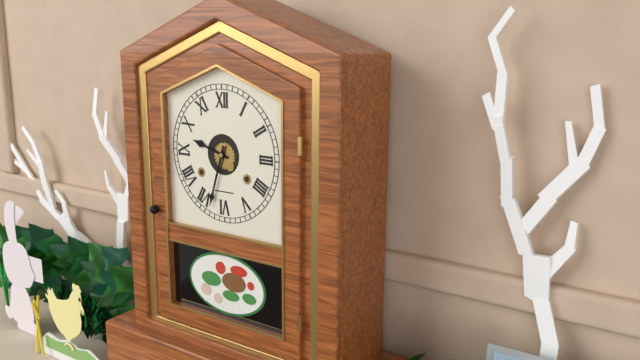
9:33
